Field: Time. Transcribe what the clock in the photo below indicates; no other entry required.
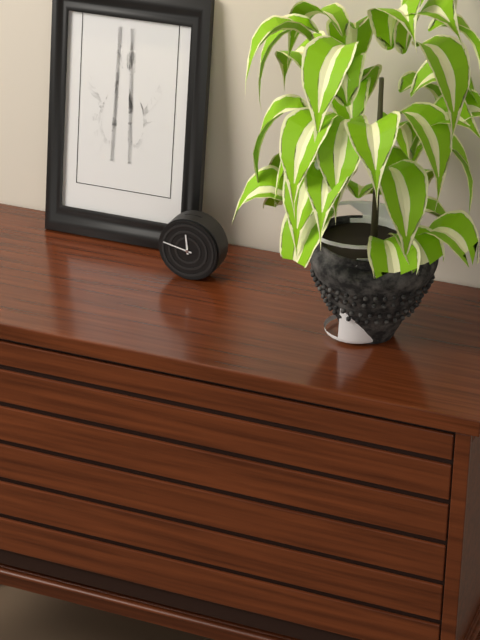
11:47
